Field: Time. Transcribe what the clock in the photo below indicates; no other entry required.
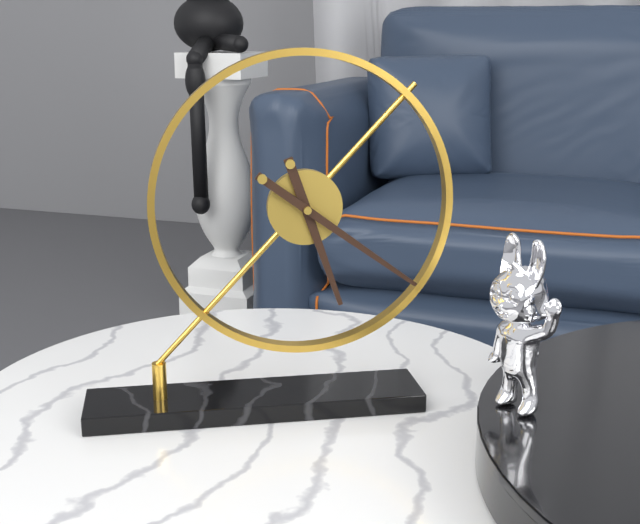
5:21
